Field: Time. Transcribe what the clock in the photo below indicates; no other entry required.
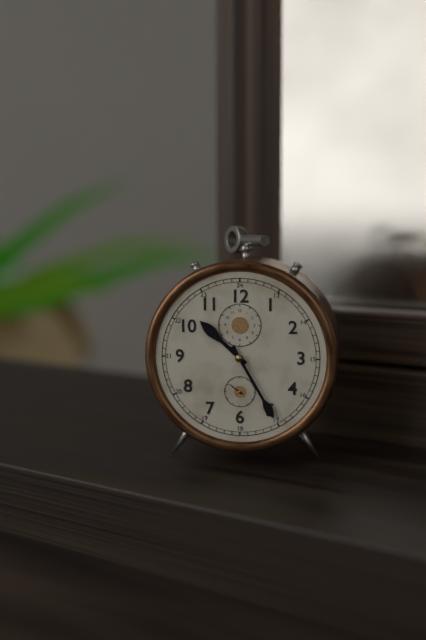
10:25
